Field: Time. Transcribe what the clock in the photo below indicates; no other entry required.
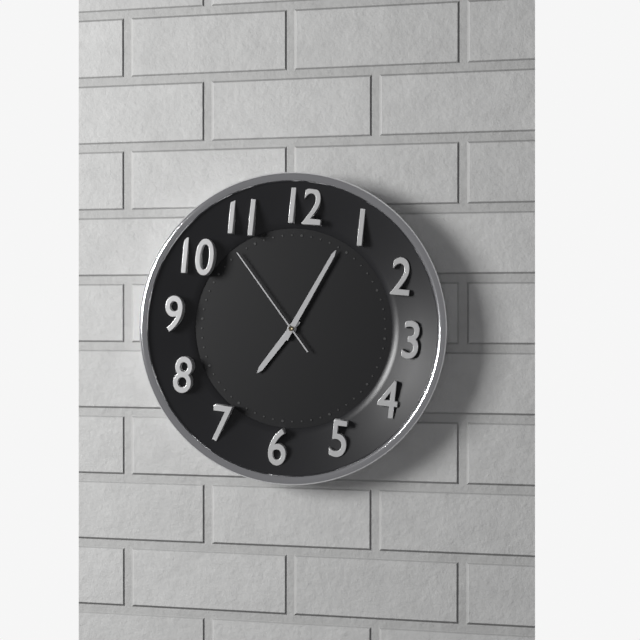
7:04:53
